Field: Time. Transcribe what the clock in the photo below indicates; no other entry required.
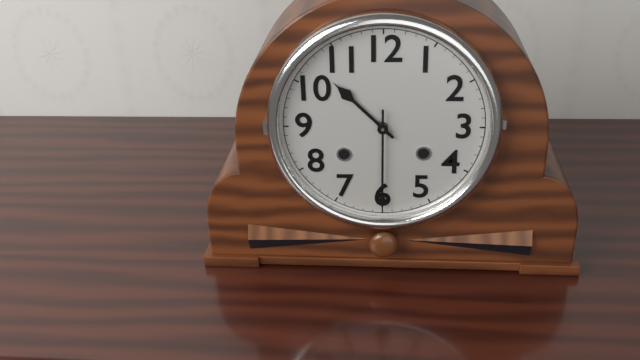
10:30
